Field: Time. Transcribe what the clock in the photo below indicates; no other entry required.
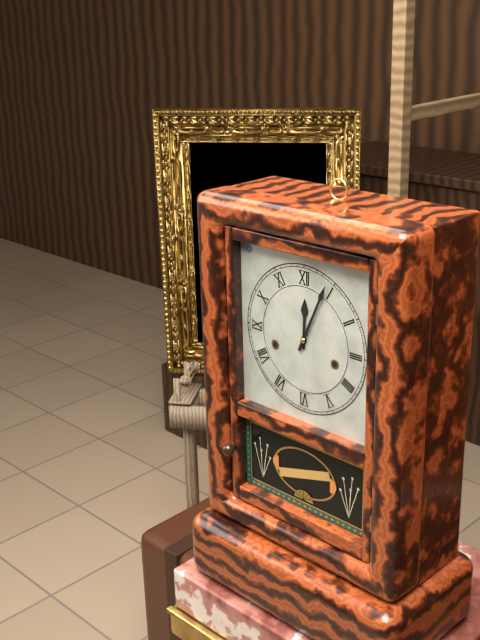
12:04
